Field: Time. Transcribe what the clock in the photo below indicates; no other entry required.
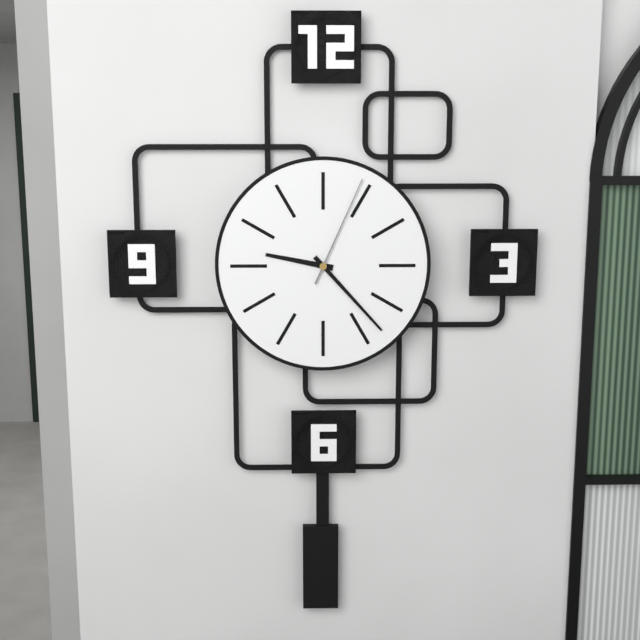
9:23:04
